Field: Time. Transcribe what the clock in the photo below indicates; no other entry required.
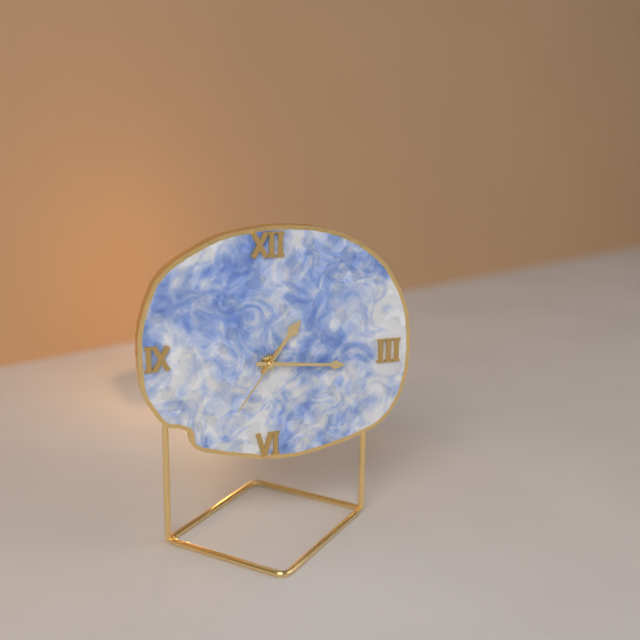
1:16:36
